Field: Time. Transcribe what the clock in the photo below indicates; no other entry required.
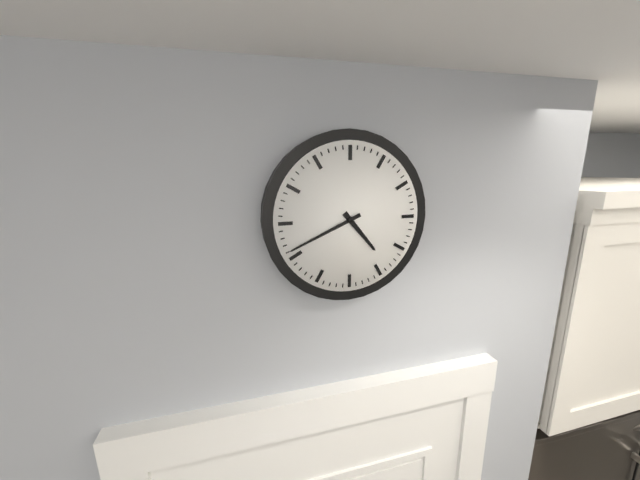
4:41
